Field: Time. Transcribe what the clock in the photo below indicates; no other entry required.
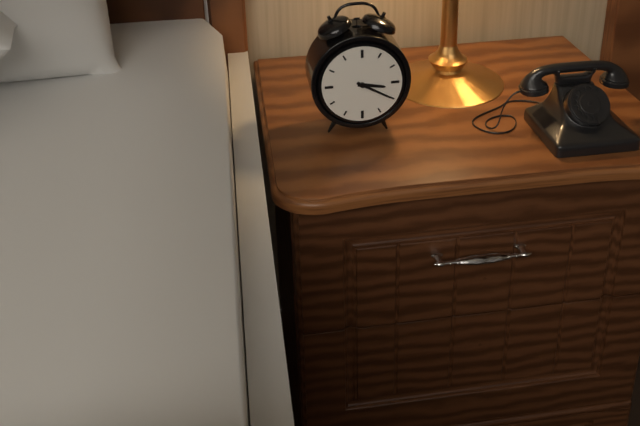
3:20
